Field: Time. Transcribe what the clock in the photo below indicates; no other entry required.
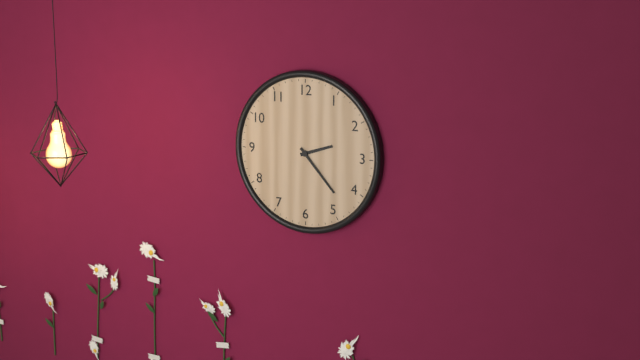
2:23
